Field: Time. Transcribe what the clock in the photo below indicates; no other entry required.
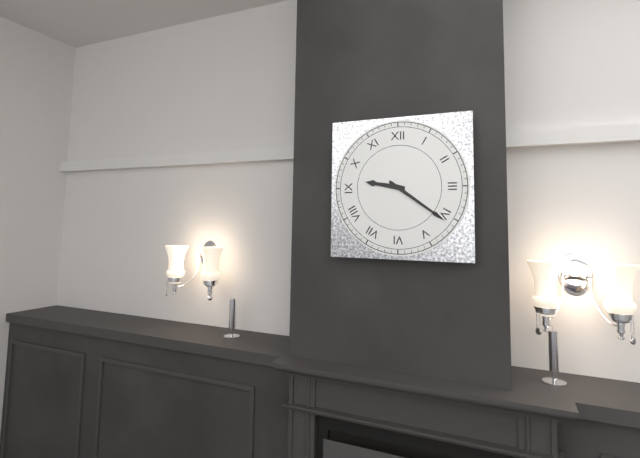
9:21
